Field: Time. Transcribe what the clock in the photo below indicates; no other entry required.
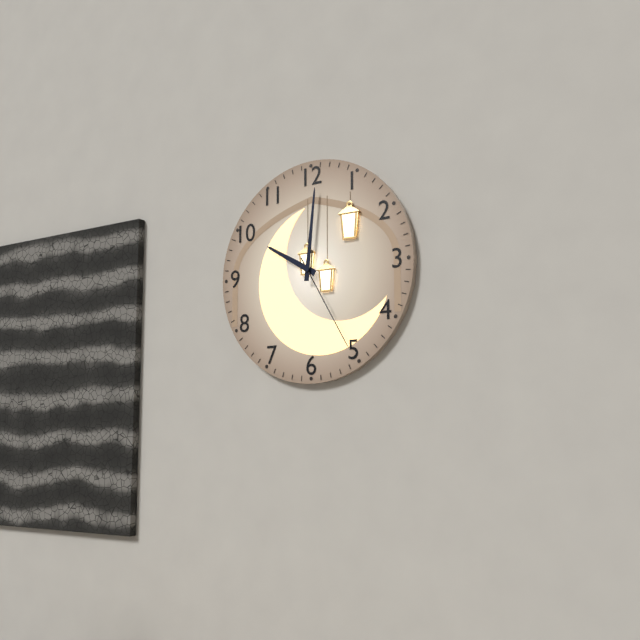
10:01:25
